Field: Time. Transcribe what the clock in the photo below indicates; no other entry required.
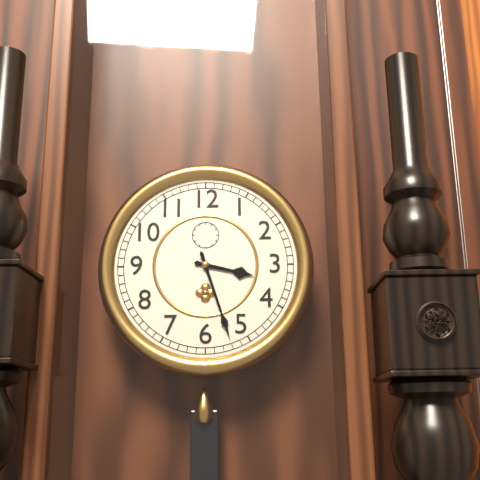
3:27
